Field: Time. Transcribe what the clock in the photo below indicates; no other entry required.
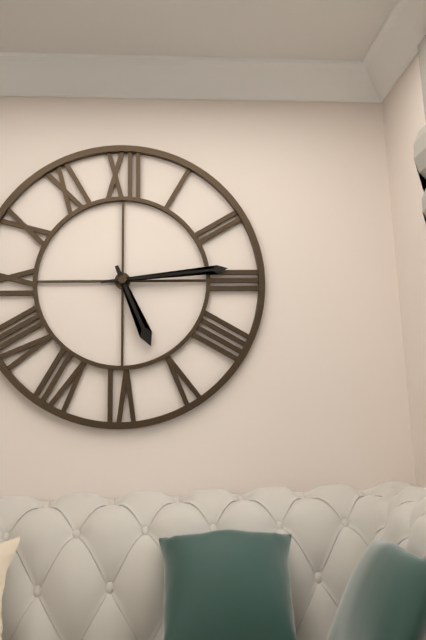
5:14
